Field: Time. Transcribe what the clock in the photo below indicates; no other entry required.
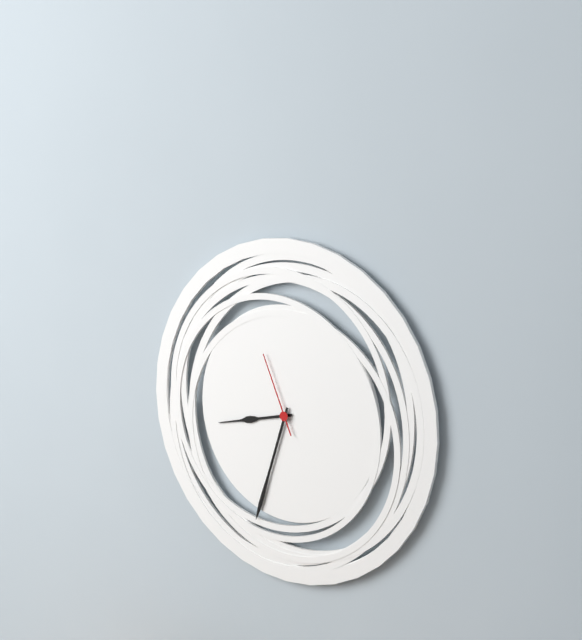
8:33:56
